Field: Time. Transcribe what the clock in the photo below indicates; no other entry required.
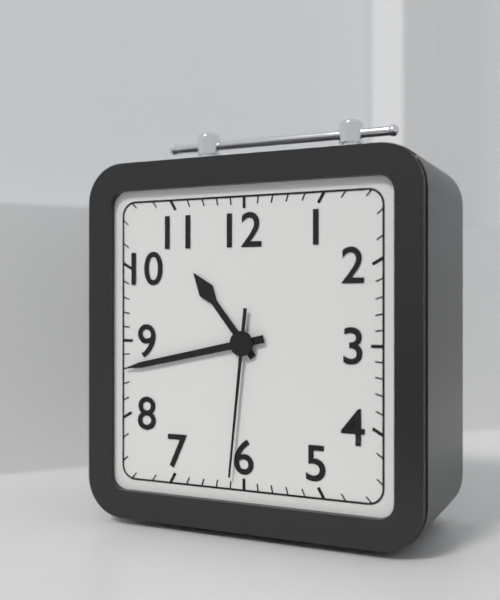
10:43:31
